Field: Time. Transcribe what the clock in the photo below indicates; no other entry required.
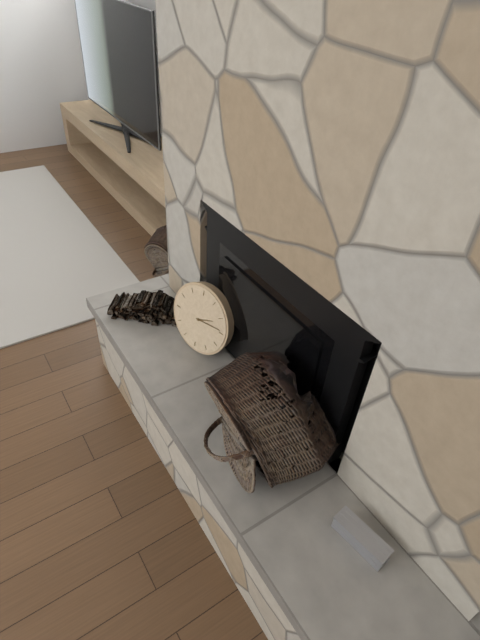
2:14
